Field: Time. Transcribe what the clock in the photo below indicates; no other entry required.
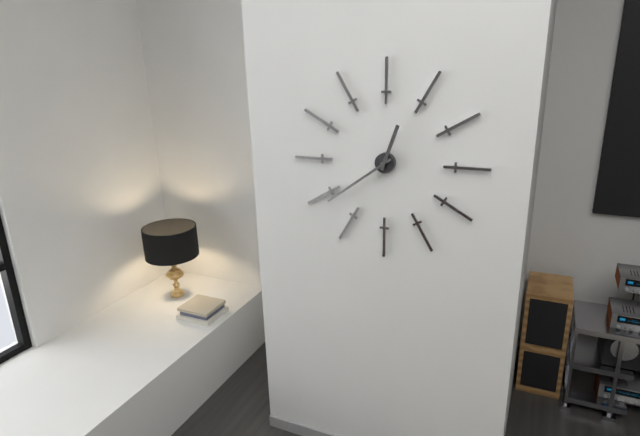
12:39
